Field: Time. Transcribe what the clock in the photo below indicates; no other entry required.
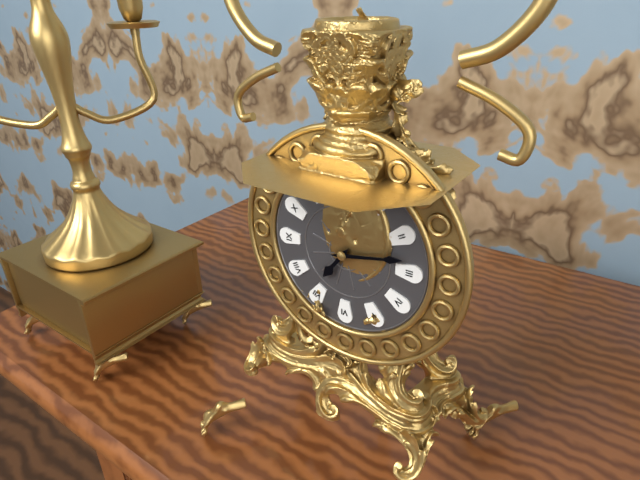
7:13
